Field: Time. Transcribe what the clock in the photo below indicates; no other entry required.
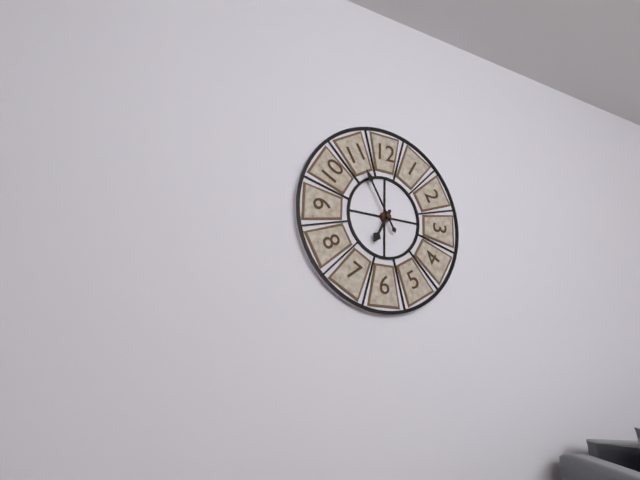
6:55
